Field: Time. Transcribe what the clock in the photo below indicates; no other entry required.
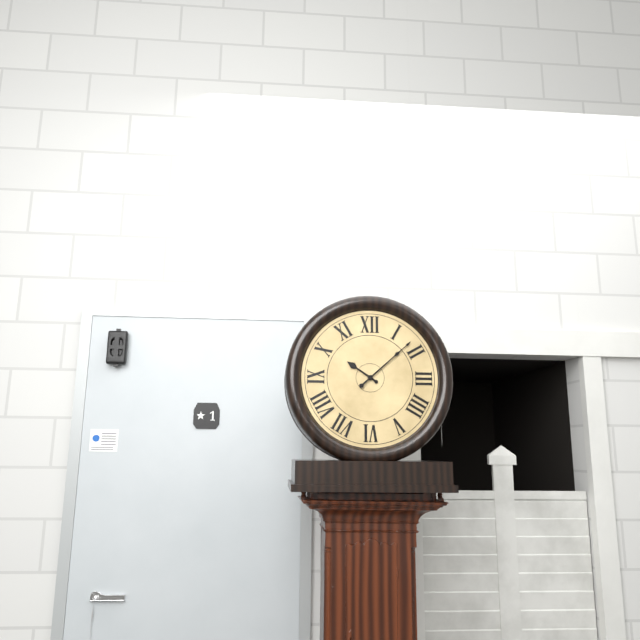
10:08
